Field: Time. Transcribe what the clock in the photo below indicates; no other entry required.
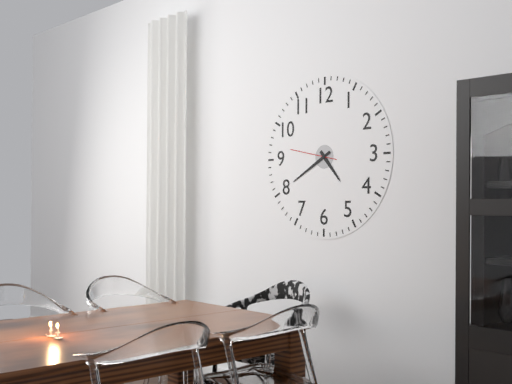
4:40
